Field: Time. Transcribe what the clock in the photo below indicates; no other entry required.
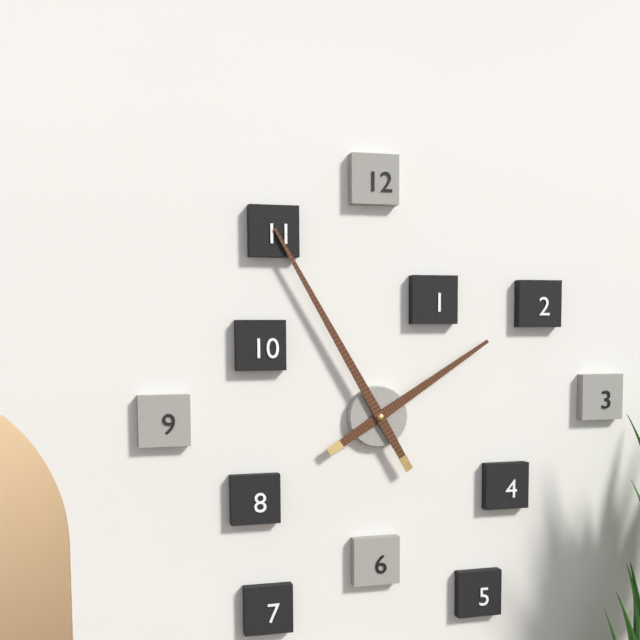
1:55
